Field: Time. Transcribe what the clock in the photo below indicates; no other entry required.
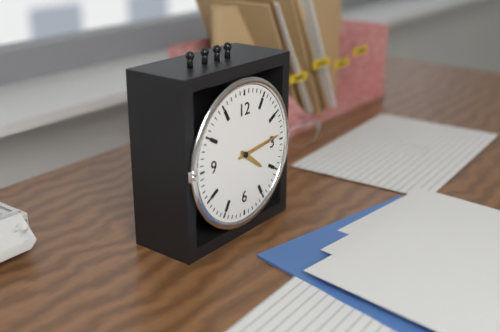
4:14
